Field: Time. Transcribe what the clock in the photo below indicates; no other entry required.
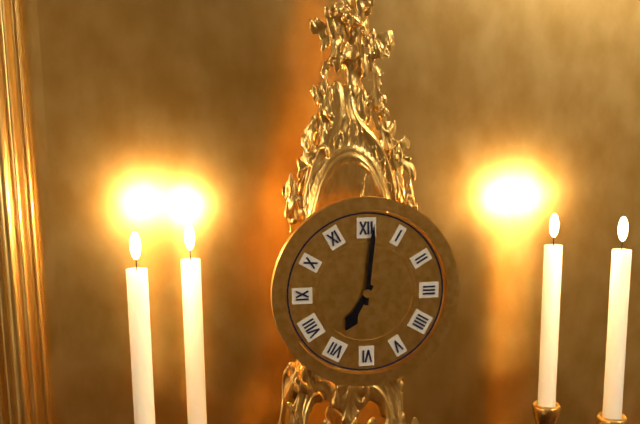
7:01
